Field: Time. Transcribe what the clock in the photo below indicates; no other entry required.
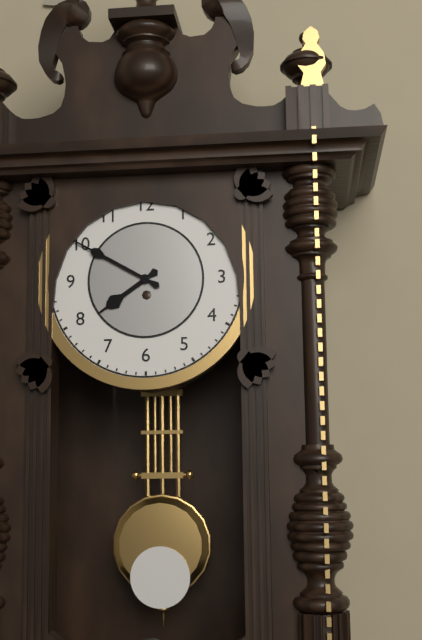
7:50
